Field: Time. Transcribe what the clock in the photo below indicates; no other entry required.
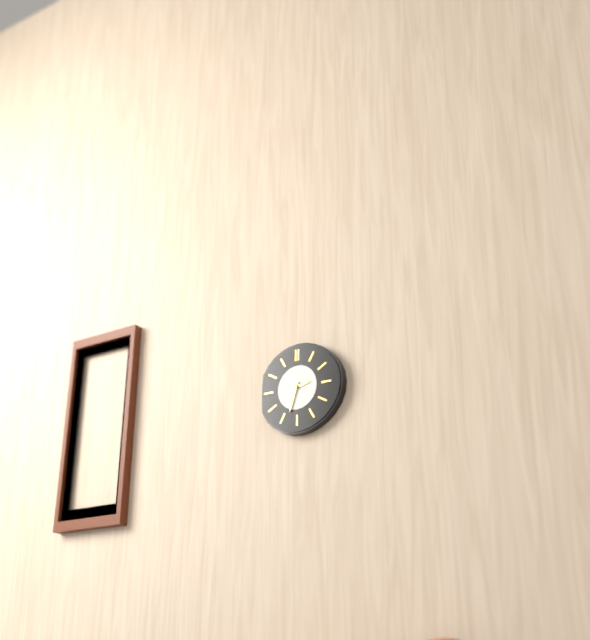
2:33
